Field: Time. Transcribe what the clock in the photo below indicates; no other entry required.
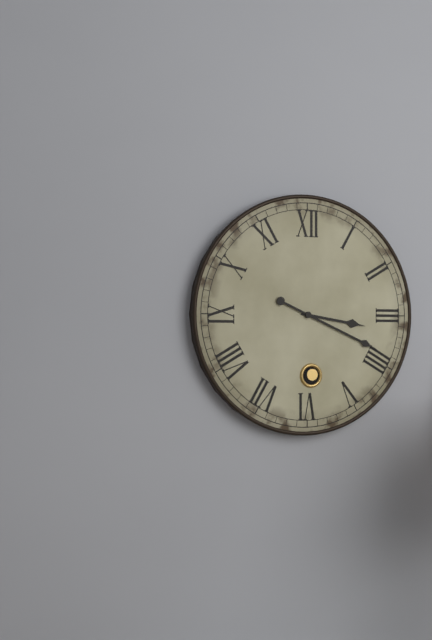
3:19
